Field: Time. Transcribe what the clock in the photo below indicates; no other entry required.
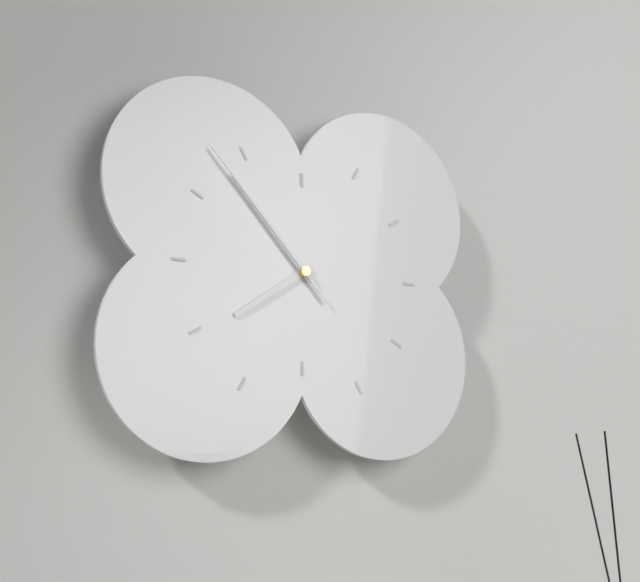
7:53:53
